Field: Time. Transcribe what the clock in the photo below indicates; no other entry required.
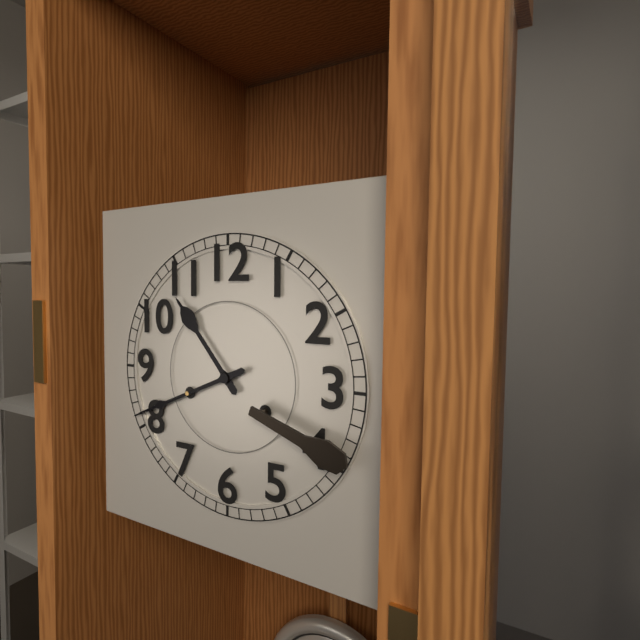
10:41
